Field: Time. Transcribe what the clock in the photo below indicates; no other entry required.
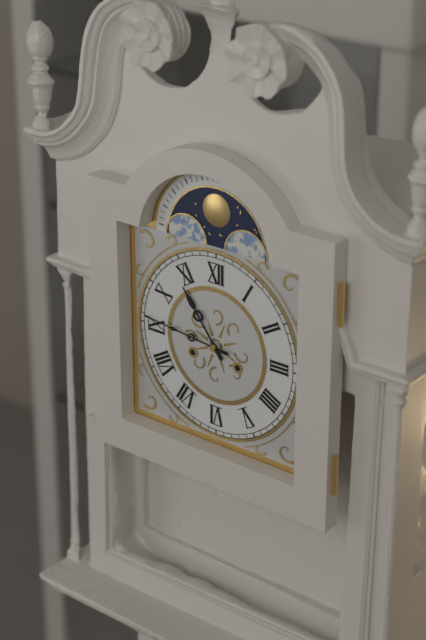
10:46
